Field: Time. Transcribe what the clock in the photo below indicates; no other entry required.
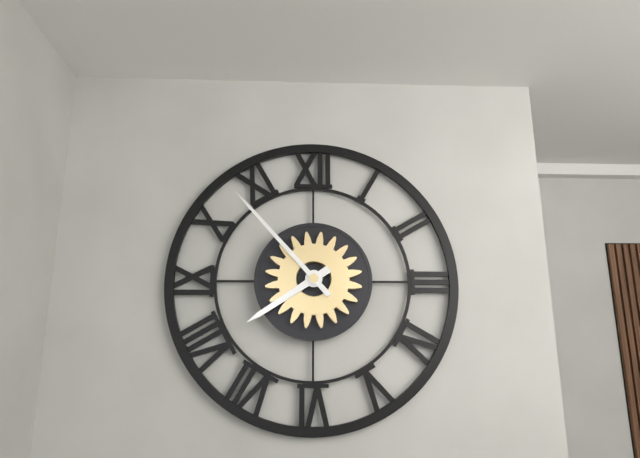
7:53
